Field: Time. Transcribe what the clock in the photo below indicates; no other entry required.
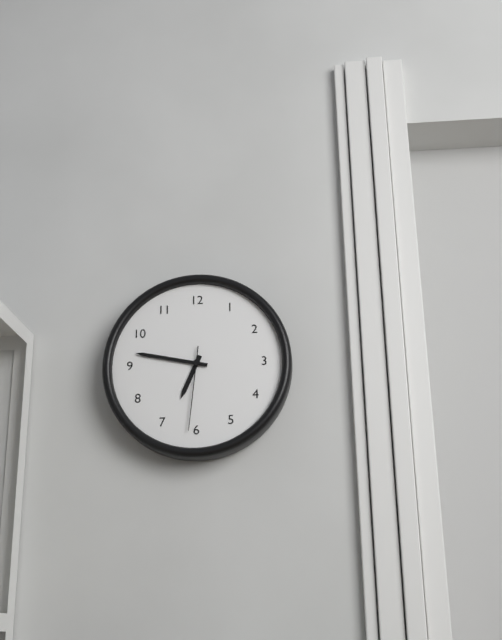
6:47:31
